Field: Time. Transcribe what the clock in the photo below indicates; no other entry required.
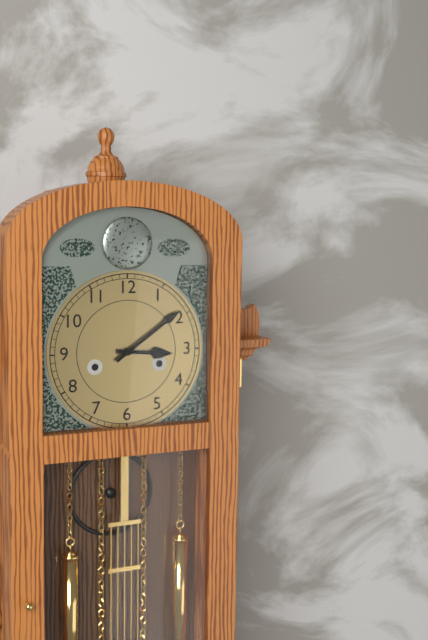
3:09
